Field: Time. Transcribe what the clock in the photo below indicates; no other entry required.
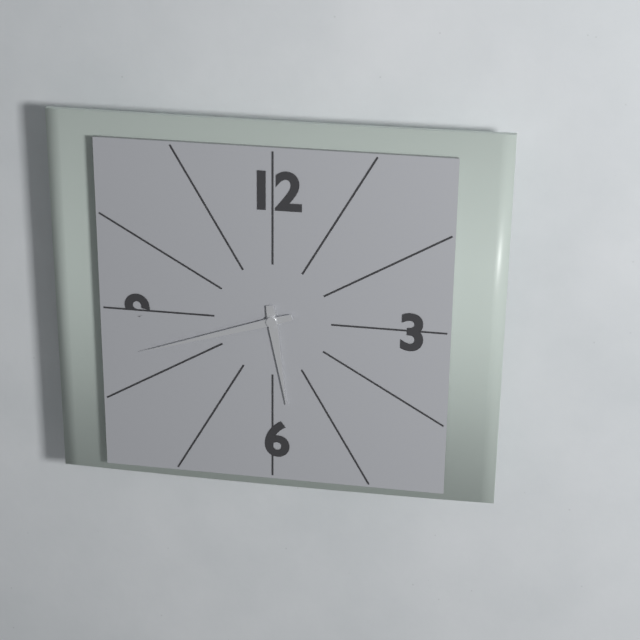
5:42
